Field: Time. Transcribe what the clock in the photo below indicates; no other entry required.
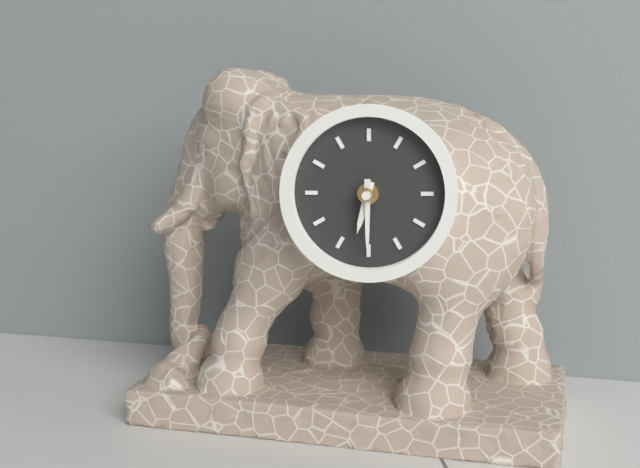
6:30
